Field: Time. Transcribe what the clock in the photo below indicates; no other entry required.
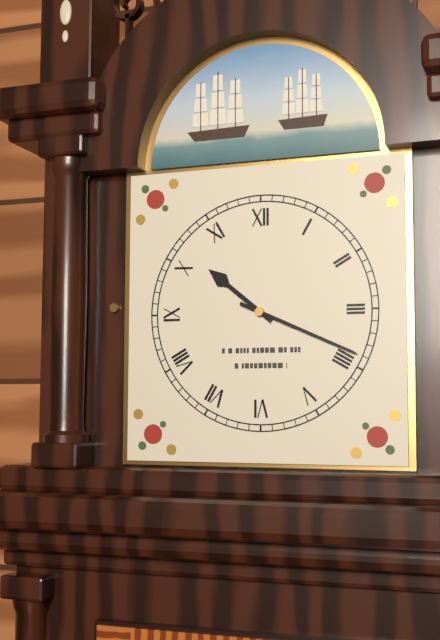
10:19
